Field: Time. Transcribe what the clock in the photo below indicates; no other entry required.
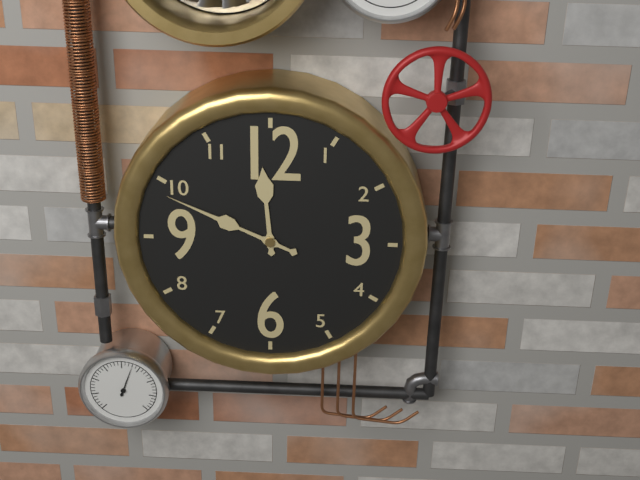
11:49
